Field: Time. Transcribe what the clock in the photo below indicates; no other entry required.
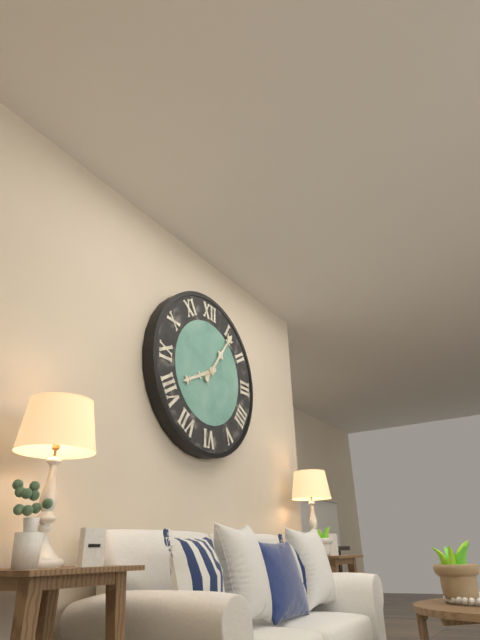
8:06
